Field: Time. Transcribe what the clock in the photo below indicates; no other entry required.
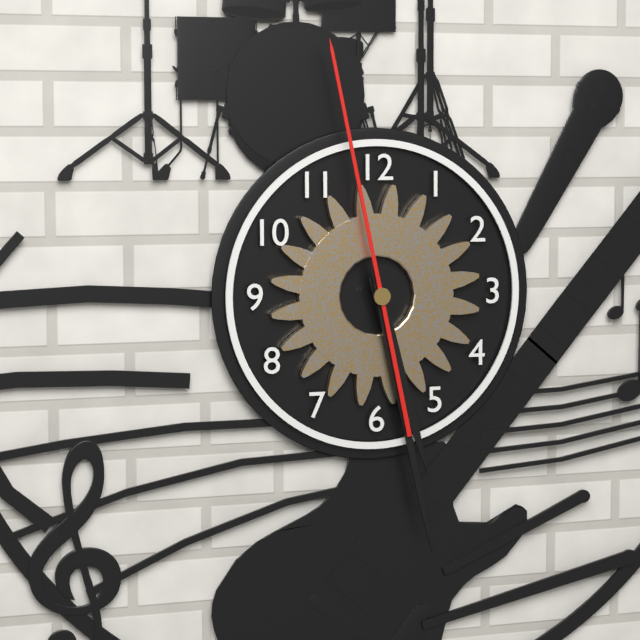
5:28:58
